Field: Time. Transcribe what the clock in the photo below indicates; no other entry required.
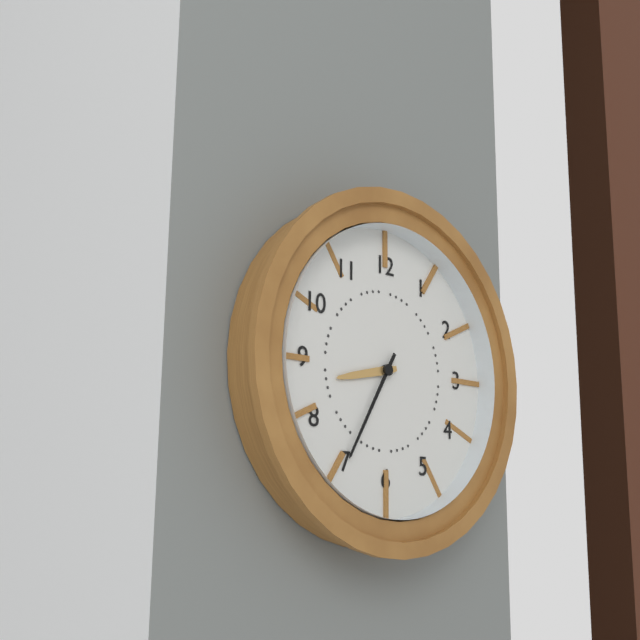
8:35
